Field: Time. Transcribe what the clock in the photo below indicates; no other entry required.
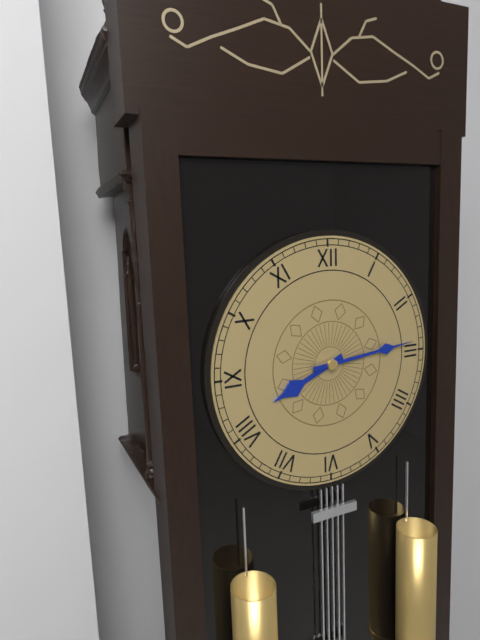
8:14
